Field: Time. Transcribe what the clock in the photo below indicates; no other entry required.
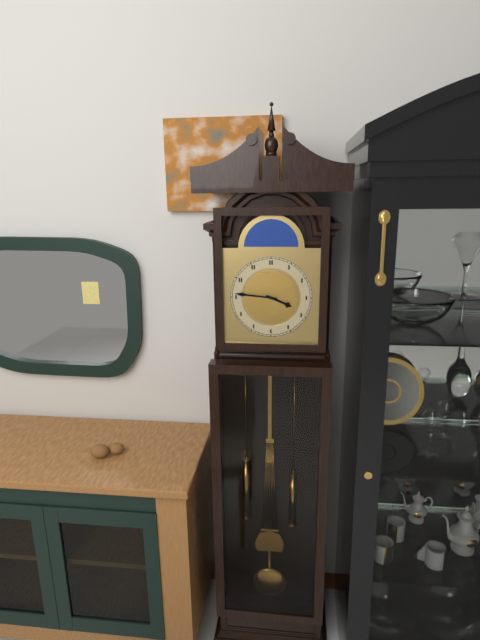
3:46
